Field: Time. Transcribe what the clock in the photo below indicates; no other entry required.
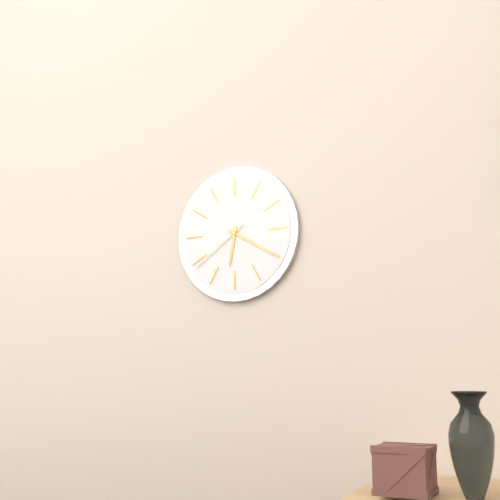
6:20:39
